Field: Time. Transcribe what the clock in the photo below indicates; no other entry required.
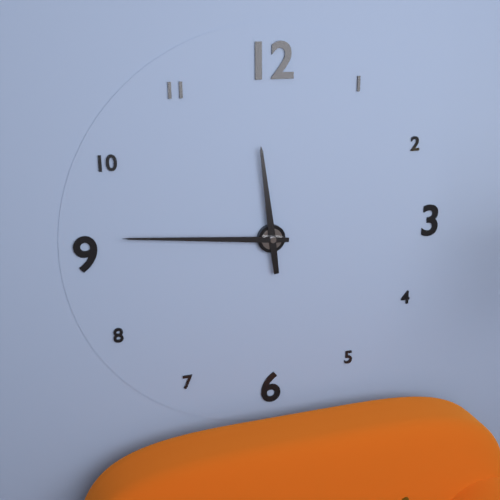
11:46
